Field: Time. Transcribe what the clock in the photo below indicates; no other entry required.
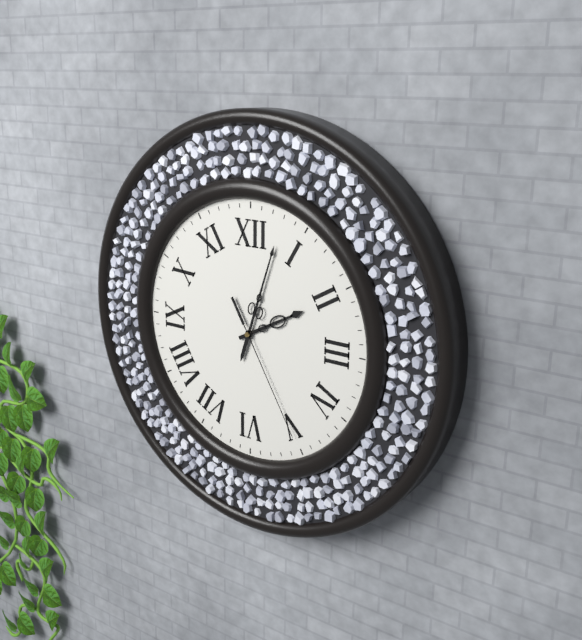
2:03:25
